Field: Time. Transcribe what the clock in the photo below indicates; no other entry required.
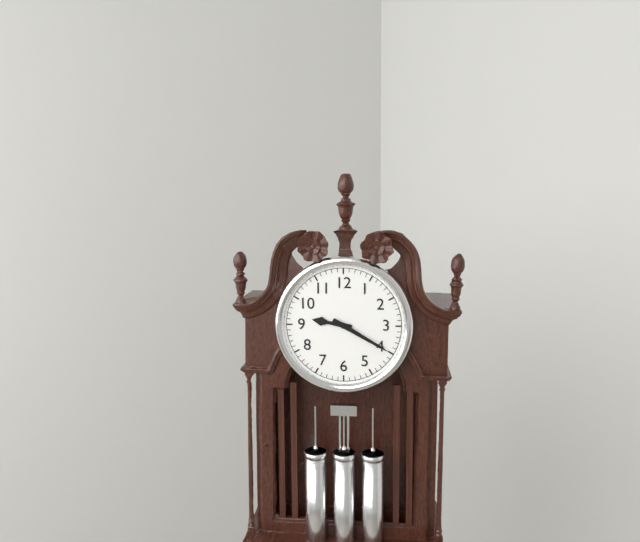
9:20
